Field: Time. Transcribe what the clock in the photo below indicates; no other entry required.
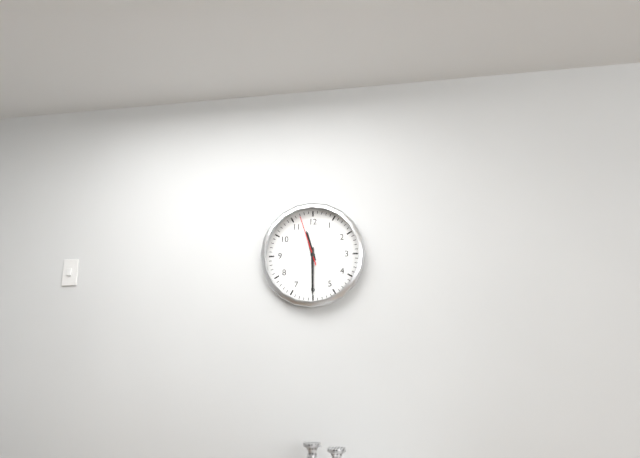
11:30:57
